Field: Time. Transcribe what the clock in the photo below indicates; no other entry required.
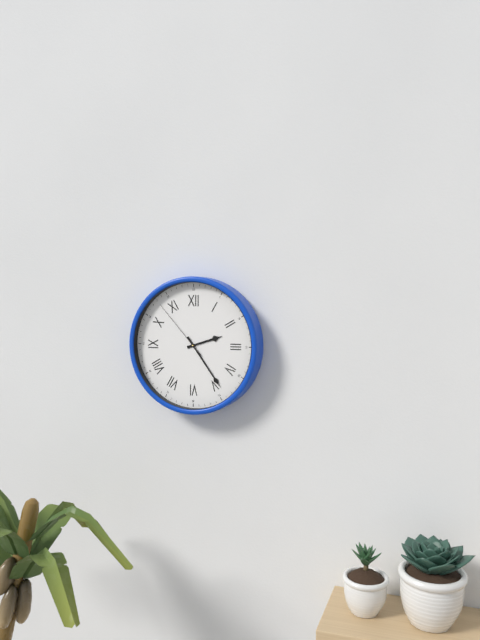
2:24:53
